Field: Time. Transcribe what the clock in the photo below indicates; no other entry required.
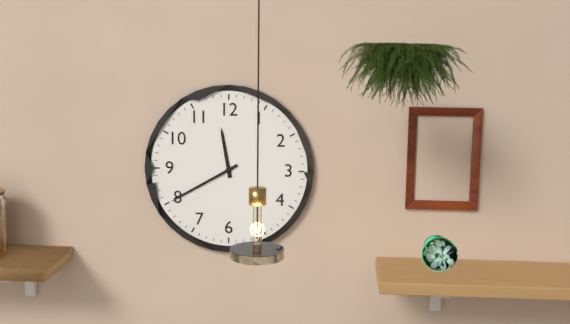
11:40
